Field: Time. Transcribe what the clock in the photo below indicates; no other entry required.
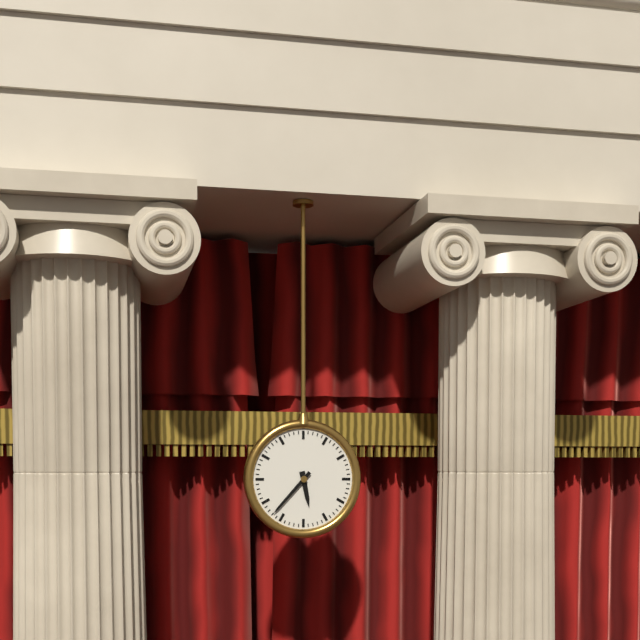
5:37
